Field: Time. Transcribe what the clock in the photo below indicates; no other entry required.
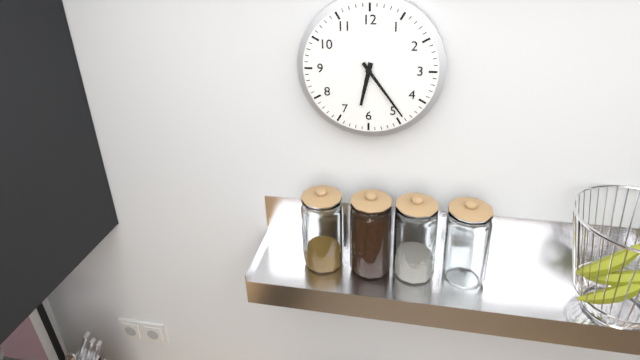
6:24
